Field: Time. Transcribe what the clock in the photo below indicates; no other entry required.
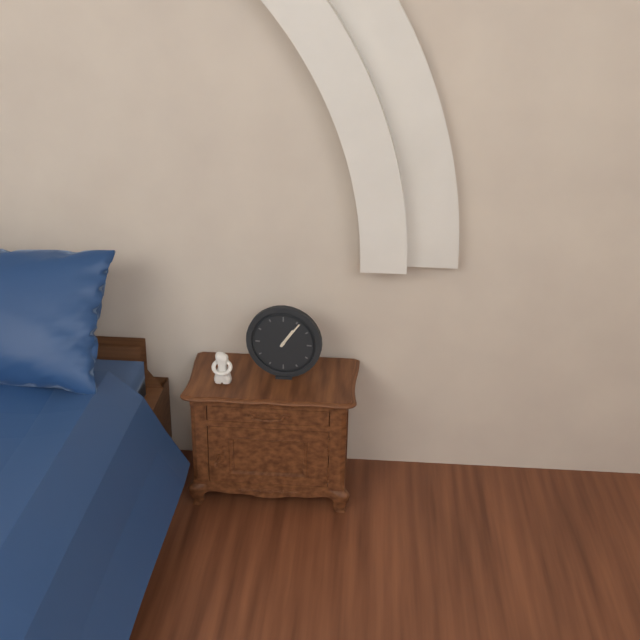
1:06
